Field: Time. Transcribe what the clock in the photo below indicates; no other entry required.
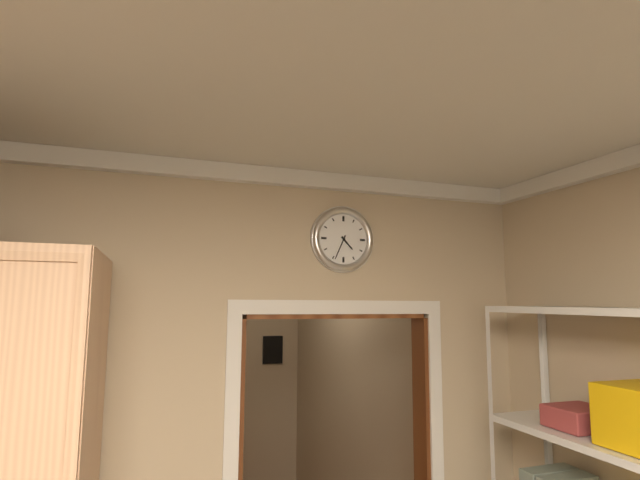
4:34
